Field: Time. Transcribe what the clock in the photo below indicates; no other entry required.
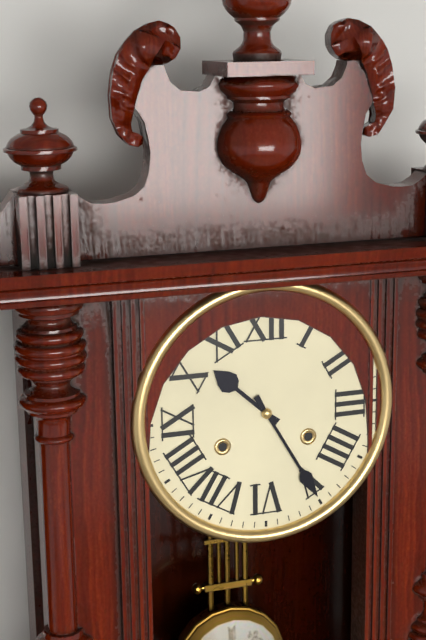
10:25
